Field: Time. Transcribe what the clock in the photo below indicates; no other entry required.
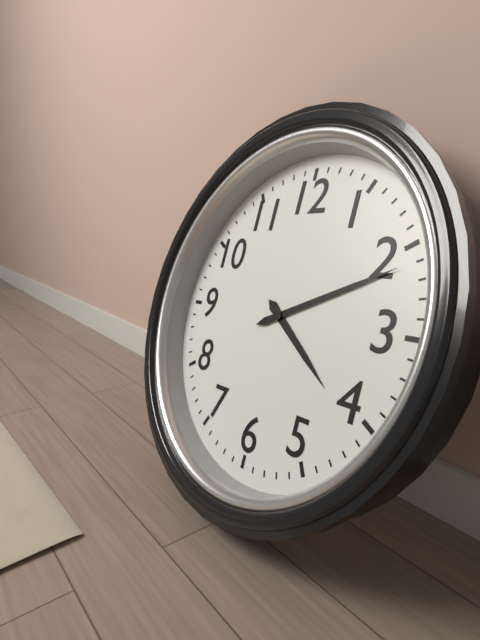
4:11
